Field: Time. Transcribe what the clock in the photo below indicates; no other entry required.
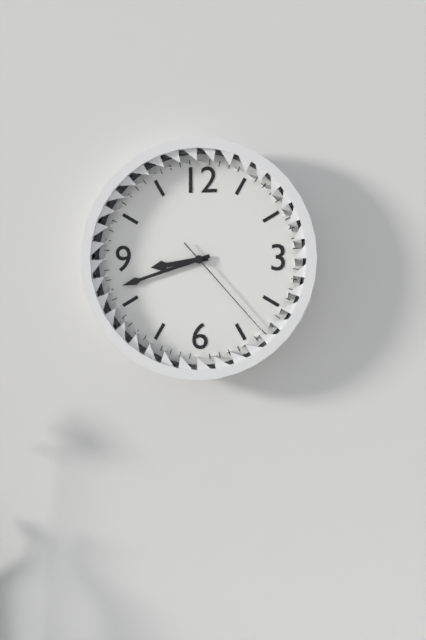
8:42:23
